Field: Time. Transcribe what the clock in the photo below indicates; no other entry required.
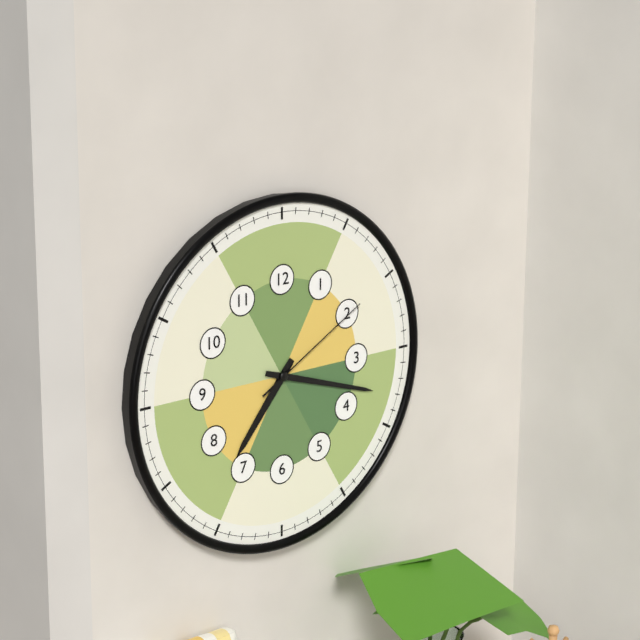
7:18:10
